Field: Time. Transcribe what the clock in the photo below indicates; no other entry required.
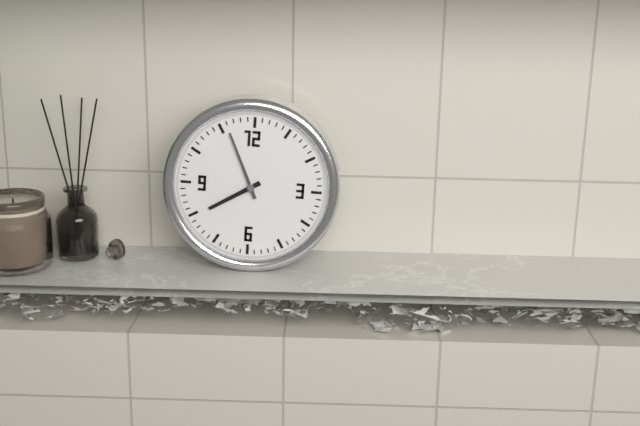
7:56
